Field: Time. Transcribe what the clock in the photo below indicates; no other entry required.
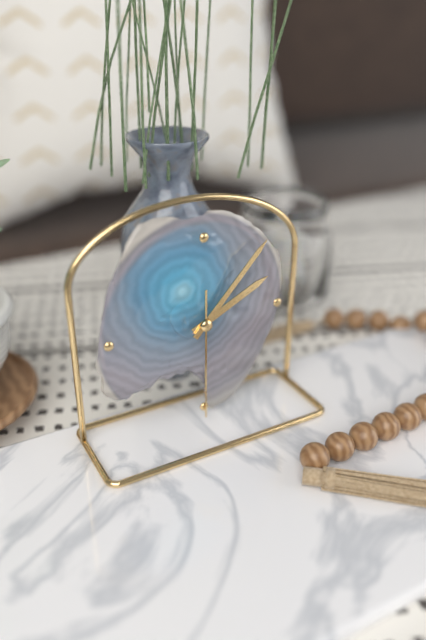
2:07:30
